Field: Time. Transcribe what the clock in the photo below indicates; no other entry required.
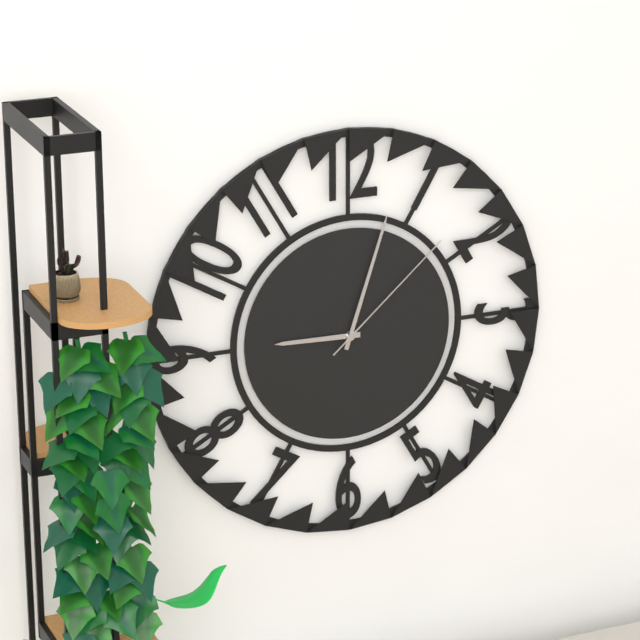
9:03:08
